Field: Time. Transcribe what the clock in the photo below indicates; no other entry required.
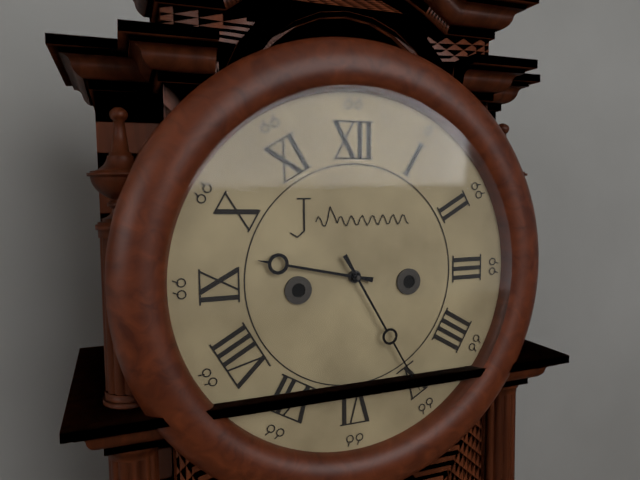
9:25
